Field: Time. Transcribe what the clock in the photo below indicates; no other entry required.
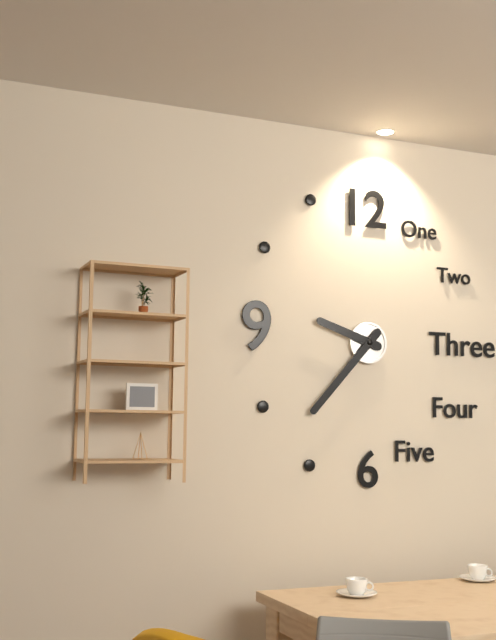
9:37
